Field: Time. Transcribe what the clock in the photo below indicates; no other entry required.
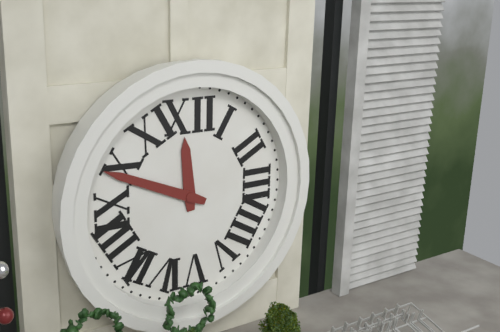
11:49
